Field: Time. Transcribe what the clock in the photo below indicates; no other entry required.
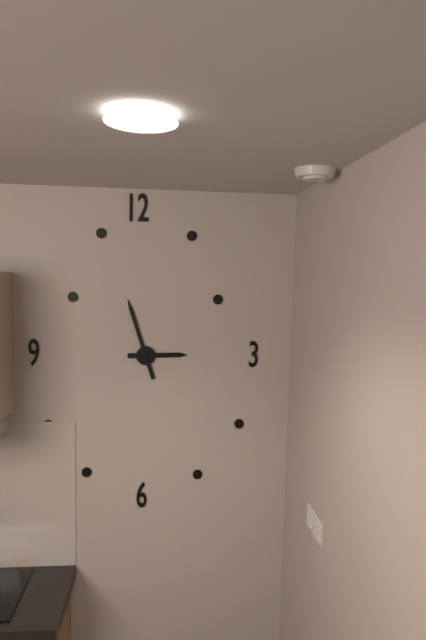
2:57
